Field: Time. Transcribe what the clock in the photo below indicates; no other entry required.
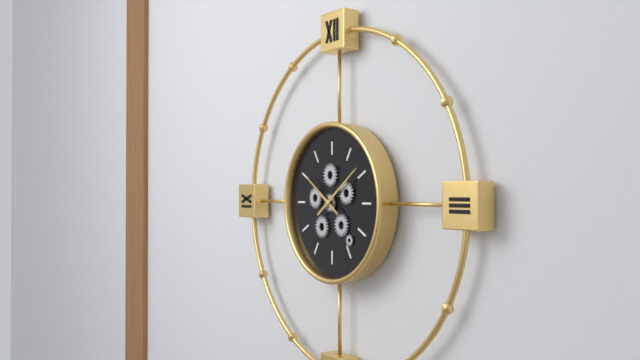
10:09
